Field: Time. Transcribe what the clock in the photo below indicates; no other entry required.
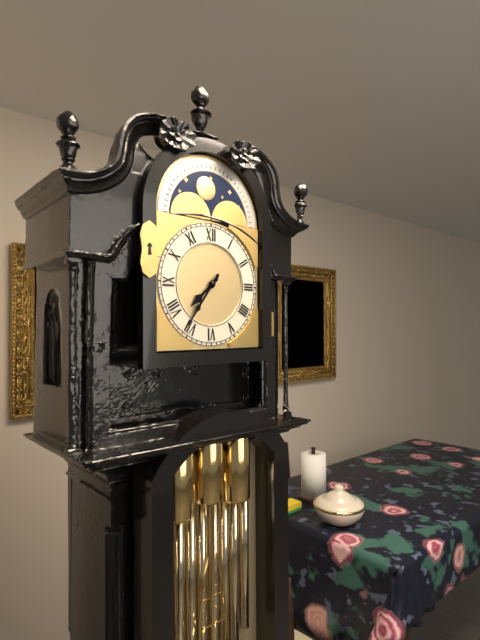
7:36
